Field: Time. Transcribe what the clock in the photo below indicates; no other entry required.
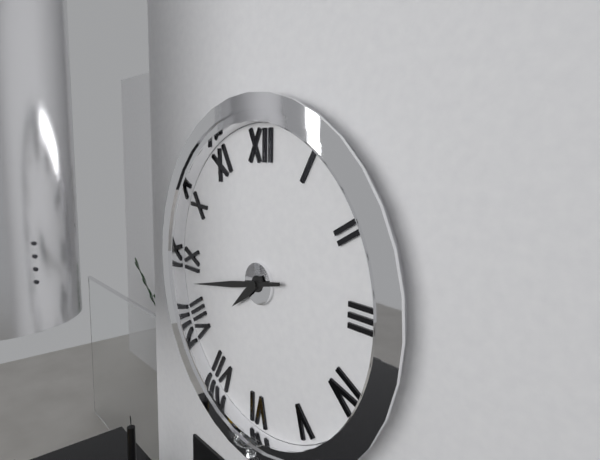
7:43
